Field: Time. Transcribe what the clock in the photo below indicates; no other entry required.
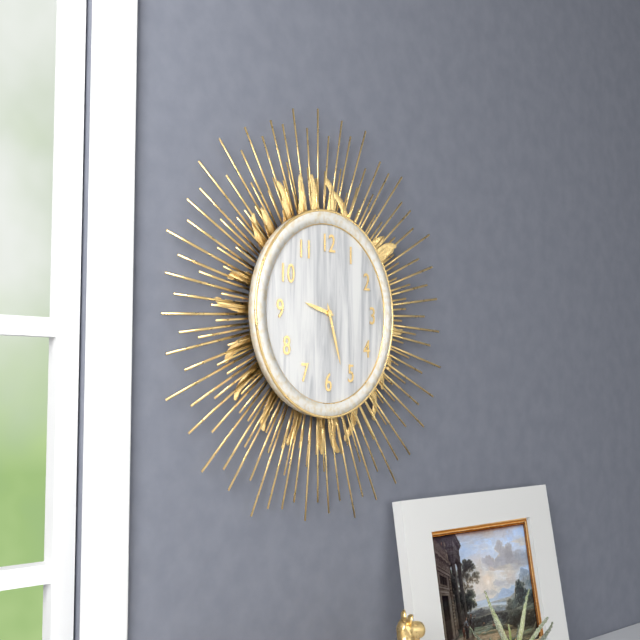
9:27
